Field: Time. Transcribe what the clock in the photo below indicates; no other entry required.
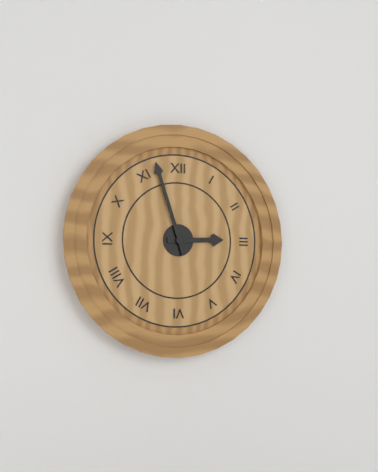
2:57
